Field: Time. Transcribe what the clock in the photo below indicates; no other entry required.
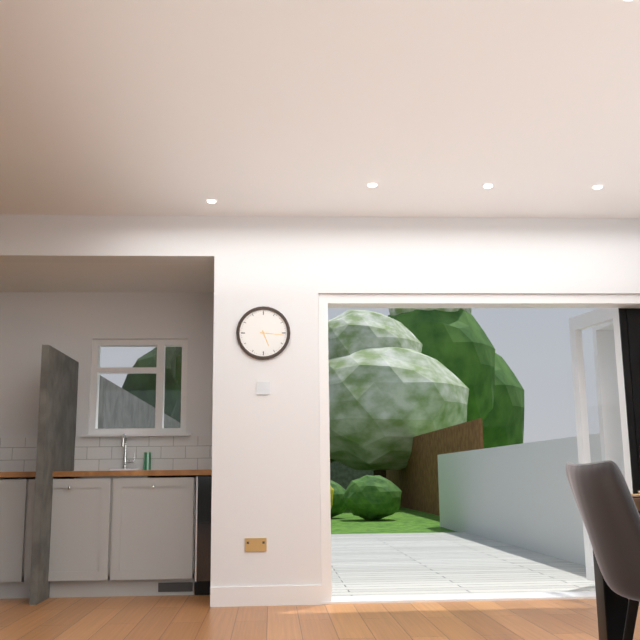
5:16
